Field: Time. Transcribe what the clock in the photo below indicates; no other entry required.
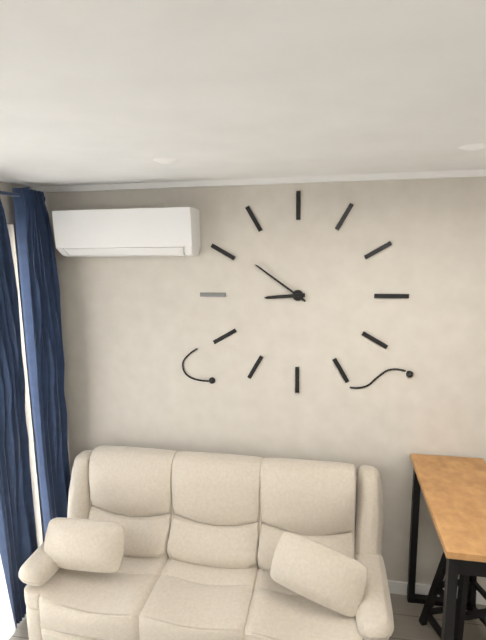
8:51
